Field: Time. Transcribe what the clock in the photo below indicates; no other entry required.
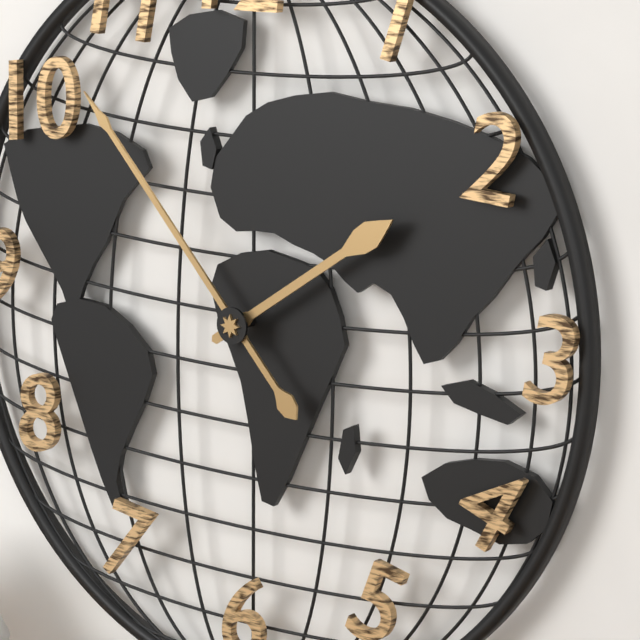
1:53
